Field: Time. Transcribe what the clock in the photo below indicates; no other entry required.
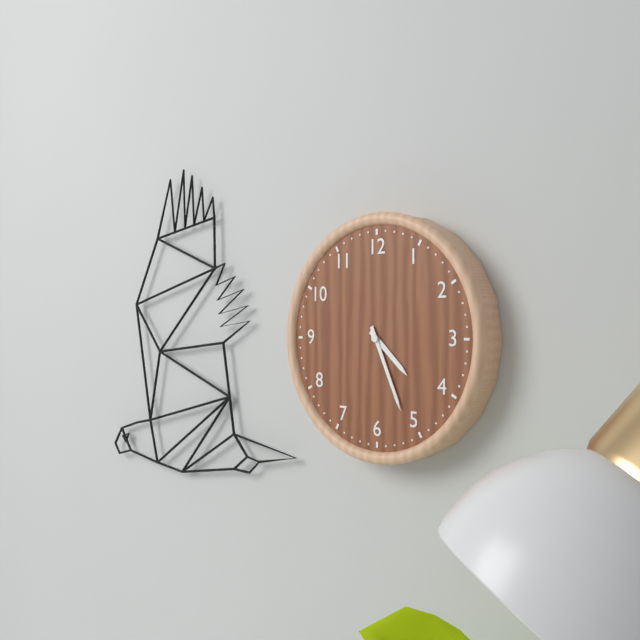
4:26
